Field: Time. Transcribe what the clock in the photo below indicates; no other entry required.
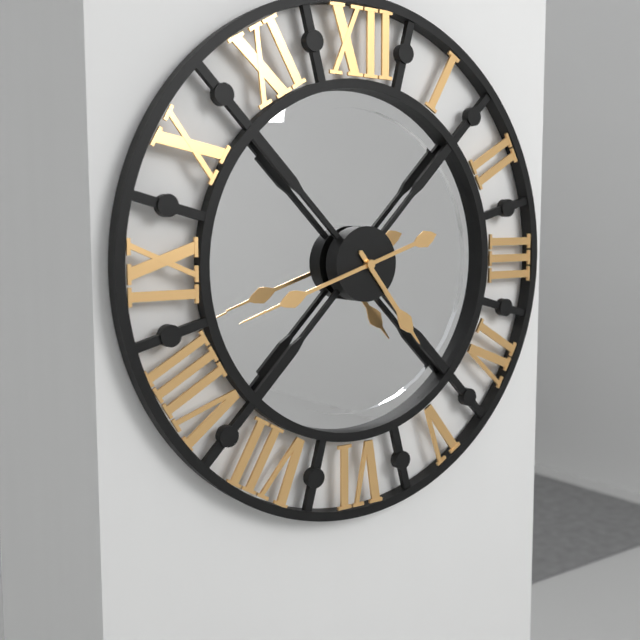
4:42
